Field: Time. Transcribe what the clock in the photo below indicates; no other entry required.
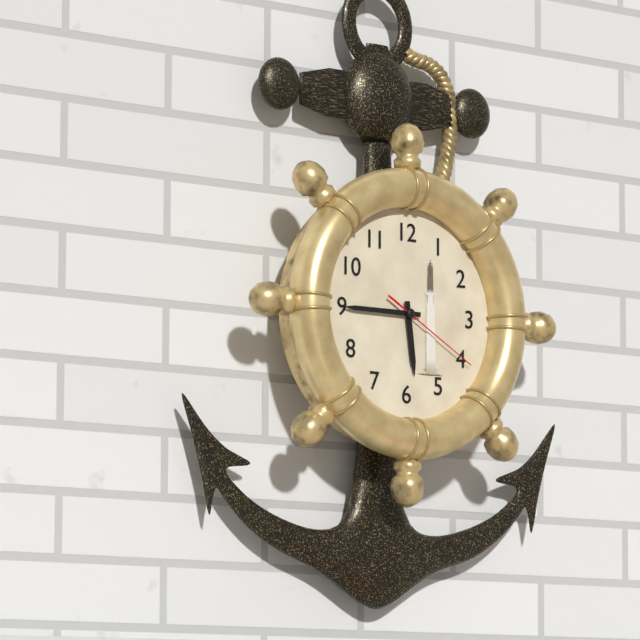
5:45:20
